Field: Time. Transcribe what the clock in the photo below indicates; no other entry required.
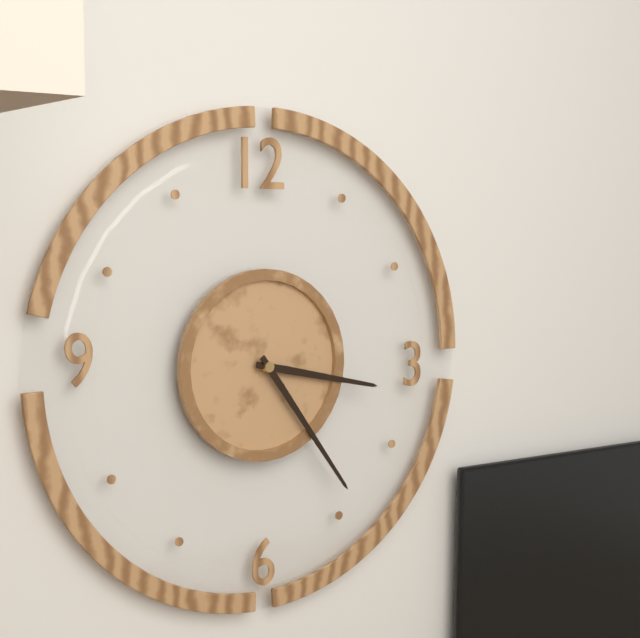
3:24
